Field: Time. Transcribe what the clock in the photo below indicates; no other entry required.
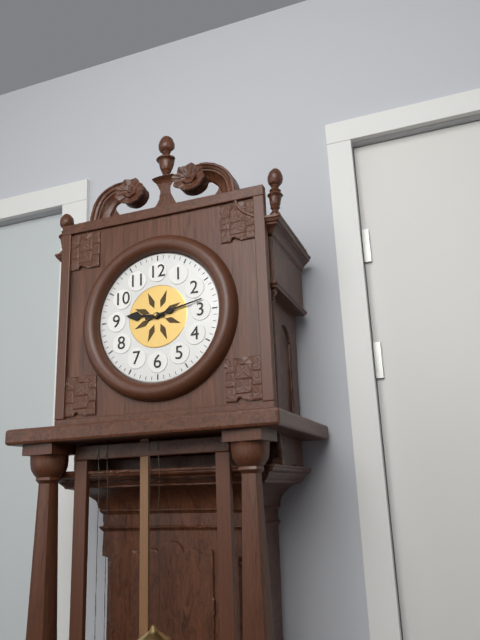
9:13
